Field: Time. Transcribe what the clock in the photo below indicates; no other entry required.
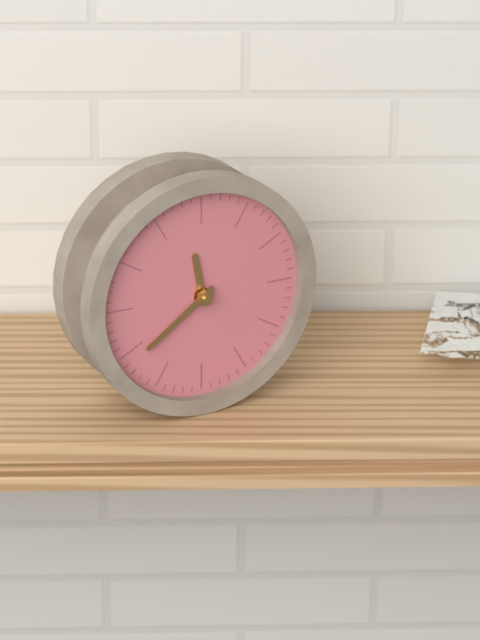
11:39
